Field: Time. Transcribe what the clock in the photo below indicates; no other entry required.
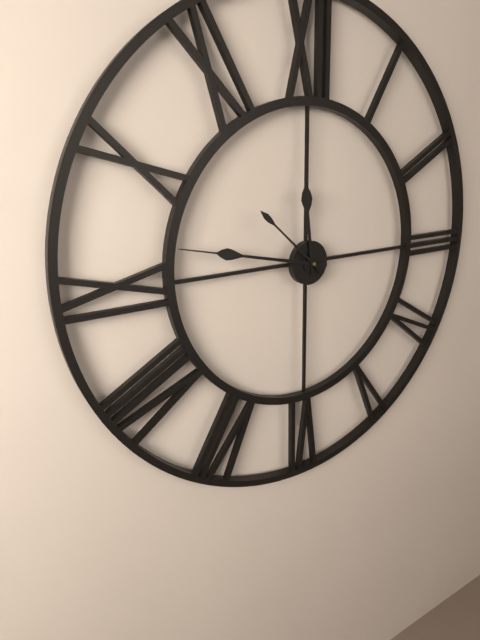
11:47:52
